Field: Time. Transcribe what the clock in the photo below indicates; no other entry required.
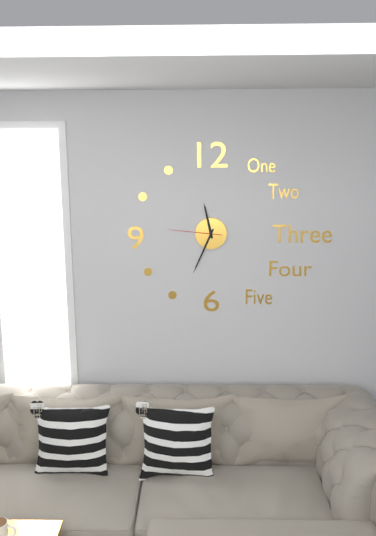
11:34:46
